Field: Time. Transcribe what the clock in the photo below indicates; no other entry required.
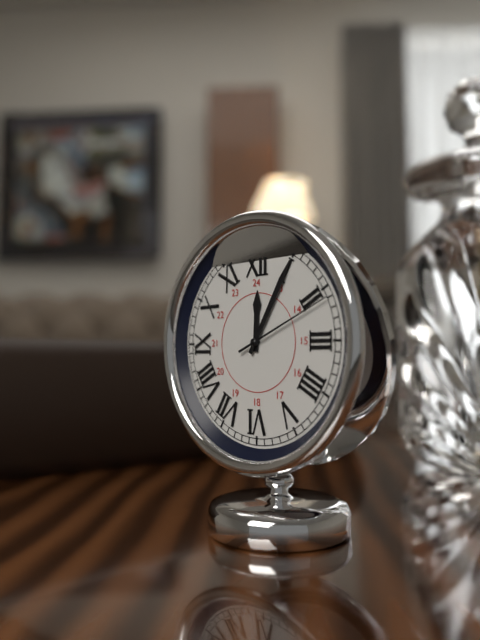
12:05:11
